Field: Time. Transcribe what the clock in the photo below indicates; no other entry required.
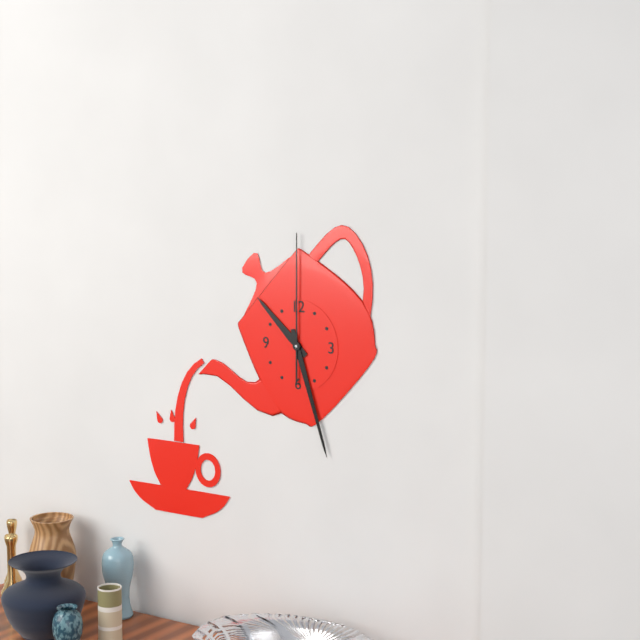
10:27:00
